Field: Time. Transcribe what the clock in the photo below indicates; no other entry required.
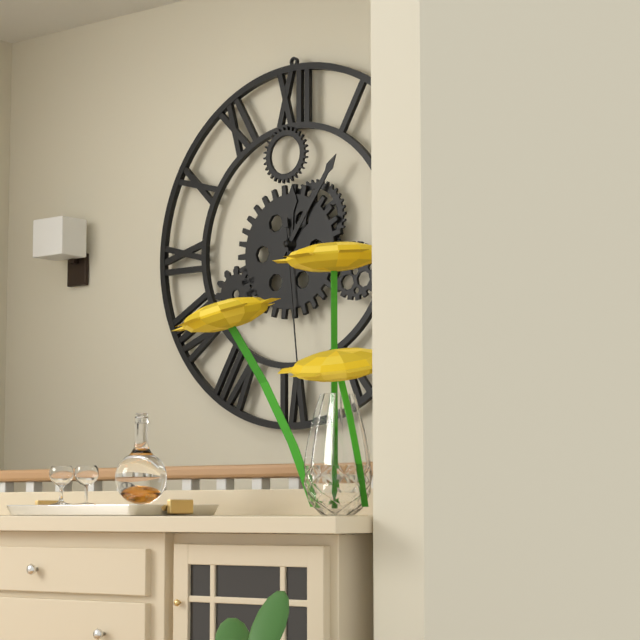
12:06:29
